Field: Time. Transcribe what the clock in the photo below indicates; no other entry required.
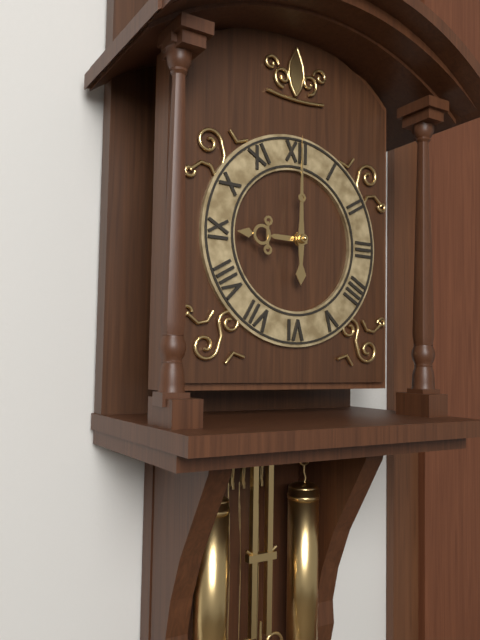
9:00
